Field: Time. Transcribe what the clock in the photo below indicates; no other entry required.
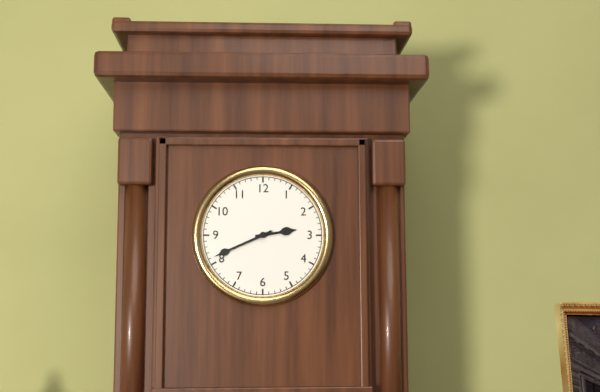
2:41
